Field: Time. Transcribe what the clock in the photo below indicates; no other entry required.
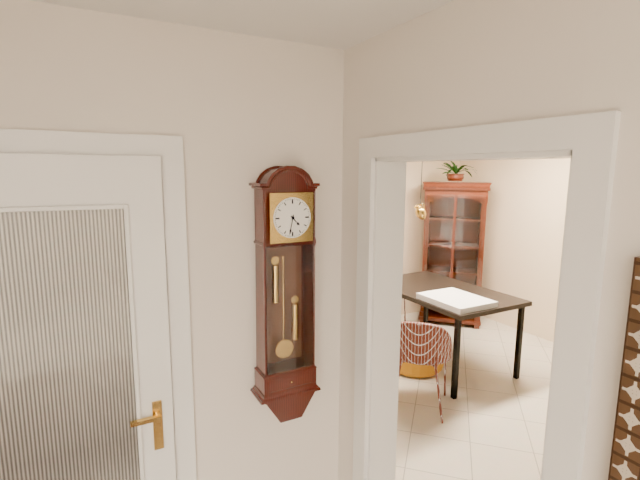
4:32
